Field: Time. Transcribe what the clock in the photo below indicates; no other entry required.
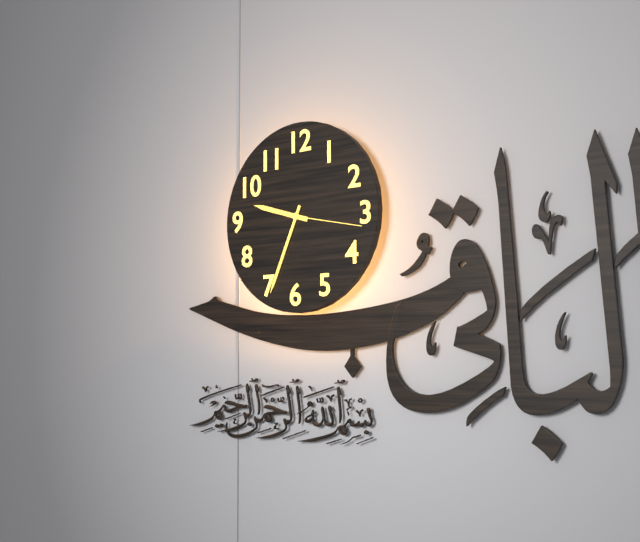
9:34:17
